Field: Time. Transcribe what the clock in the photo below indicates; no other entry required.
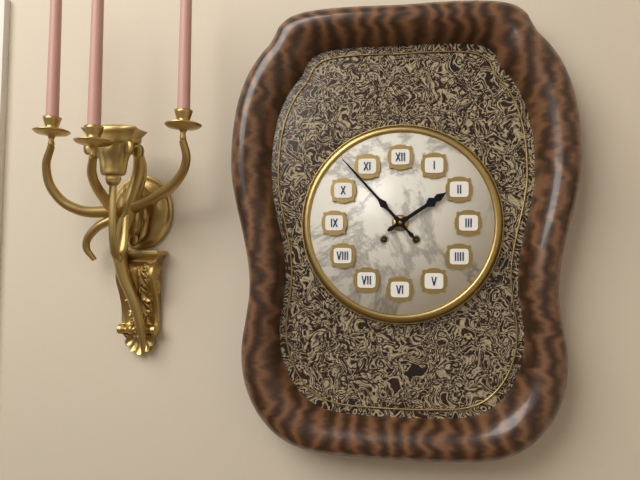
1:53
